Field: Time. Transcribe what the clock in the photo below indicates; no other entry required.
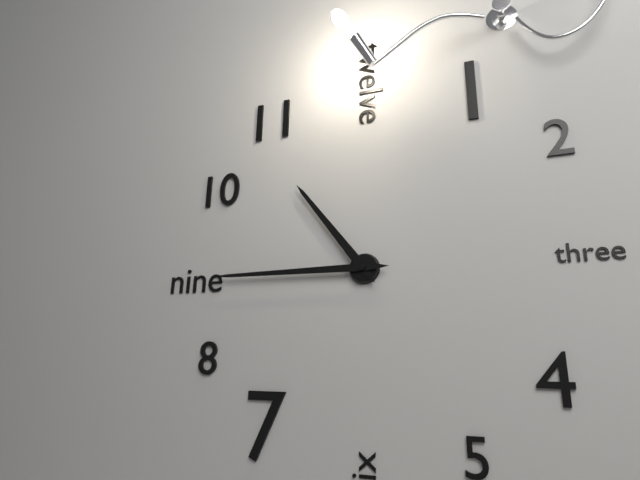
10:45
